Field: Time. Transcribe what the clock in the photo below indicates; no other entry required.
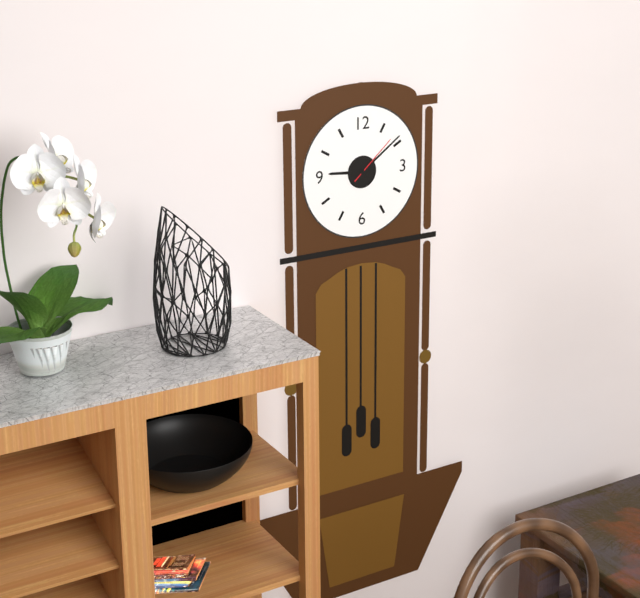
9:09:08
